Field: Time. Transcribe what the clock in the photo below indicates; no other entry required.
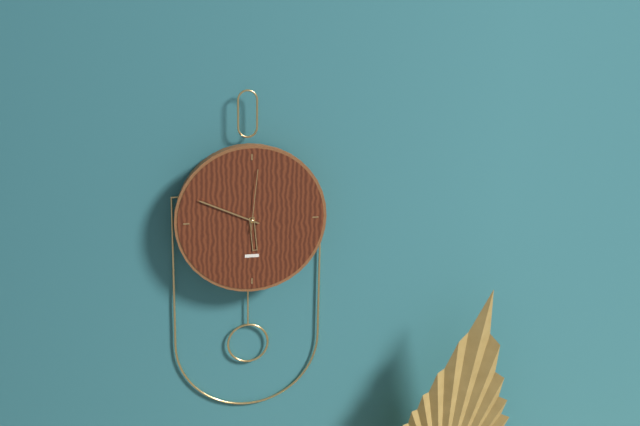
5:49:01
